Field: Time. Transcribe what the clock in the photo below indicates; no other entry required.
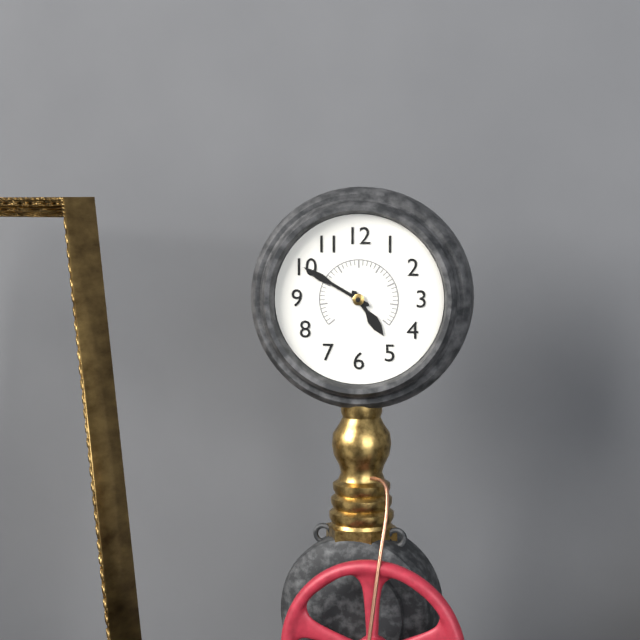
4:50
